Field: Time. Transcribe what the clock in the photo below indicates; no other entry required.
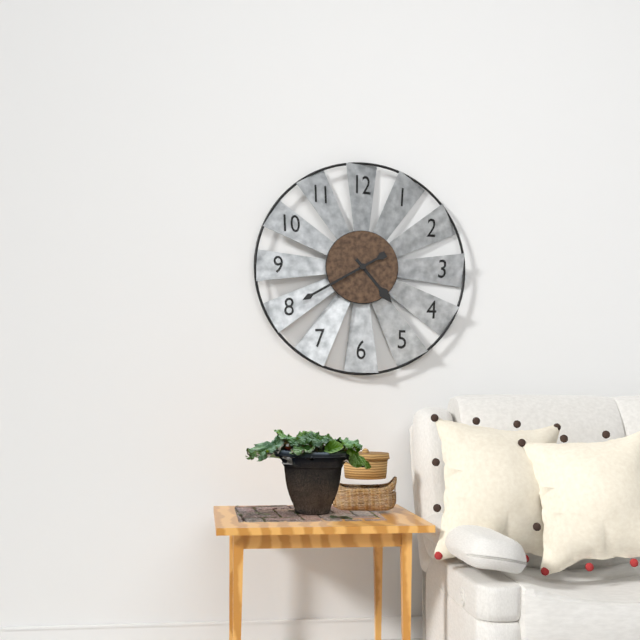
4:40
